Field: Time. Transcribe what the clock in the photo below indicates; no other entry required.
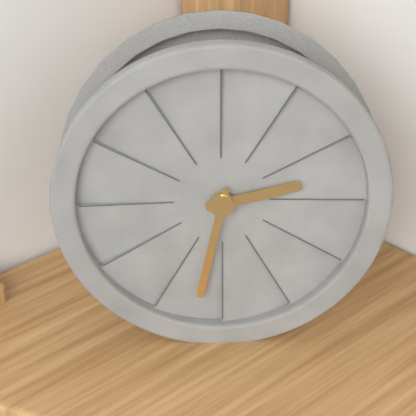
2:32
